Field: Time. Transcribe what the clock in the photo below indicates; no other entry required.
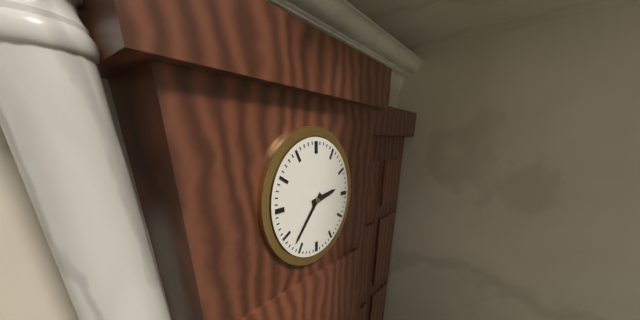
2:37
